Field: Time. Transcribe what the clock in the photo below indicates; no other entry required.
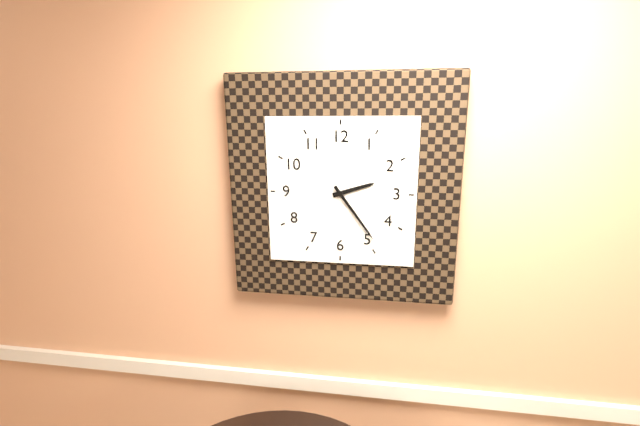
2:24
